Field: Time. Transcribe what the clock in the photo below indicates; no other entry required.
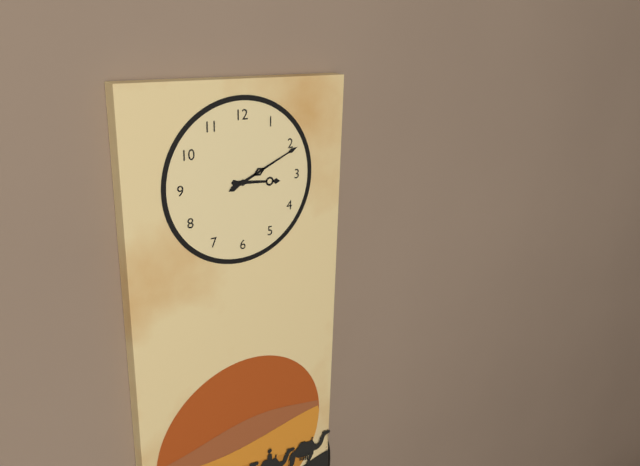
3:11
